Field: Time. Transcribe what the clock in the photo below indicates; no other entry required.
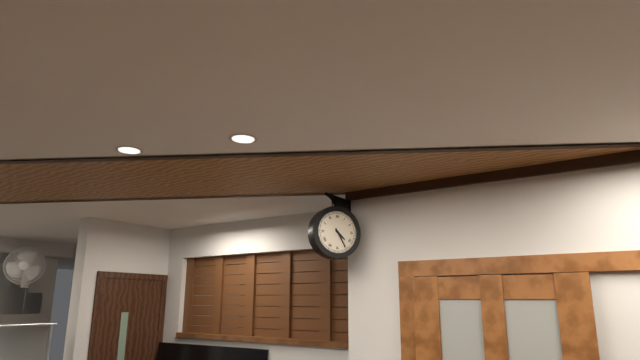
4:25
